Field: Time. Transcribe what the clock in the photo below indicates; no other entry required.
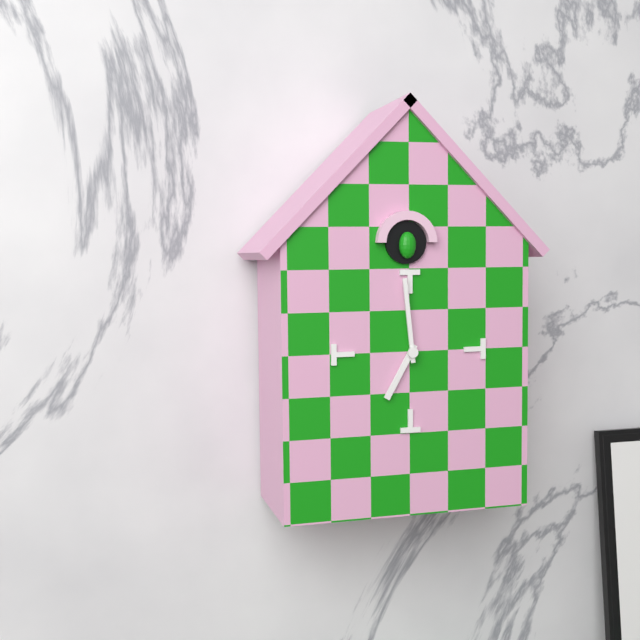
6:59
